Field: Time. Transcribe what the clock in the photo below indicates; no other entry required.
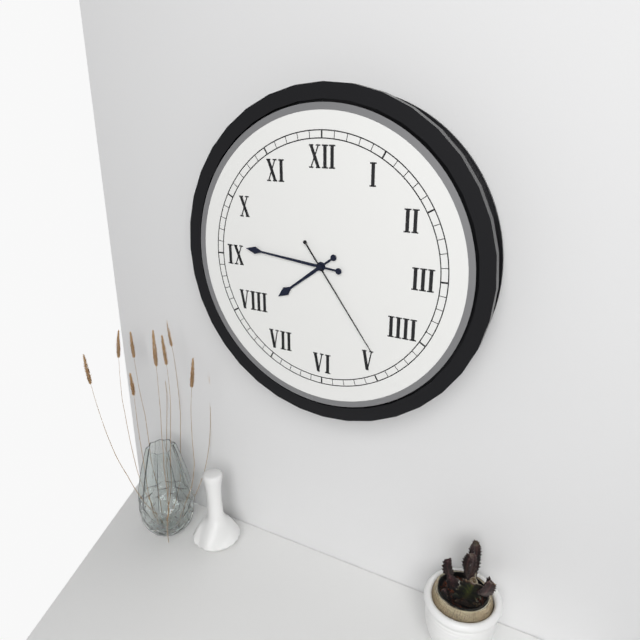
7:46:24
